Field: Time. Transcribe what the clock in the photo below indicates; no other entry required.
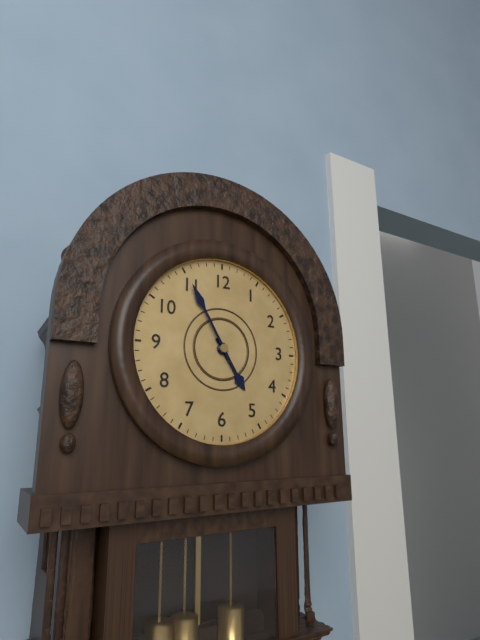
4:55
